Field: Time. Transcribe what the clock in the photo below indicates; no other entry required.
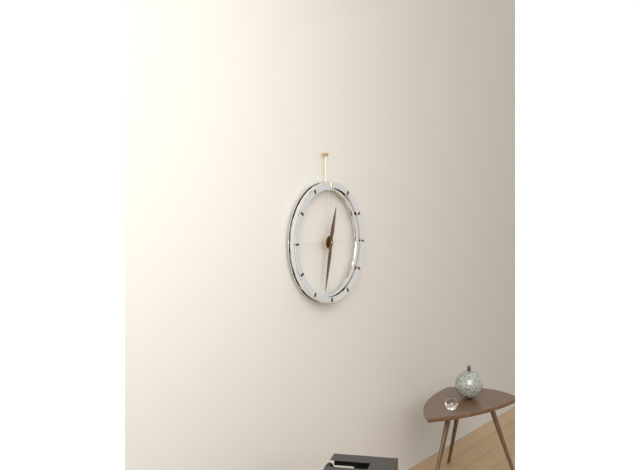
12:32
